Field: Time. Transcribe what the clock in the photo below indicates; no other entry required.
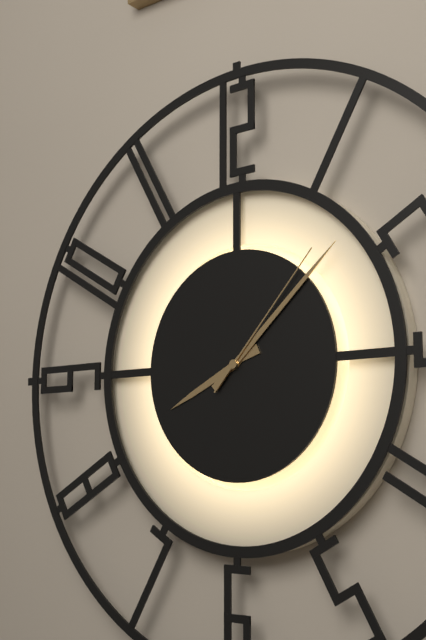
8:08:07
